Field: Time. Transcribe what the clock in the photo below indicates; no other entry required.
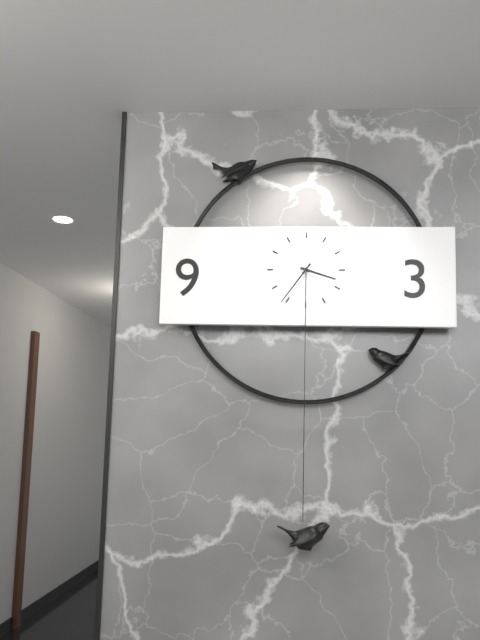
3:36
